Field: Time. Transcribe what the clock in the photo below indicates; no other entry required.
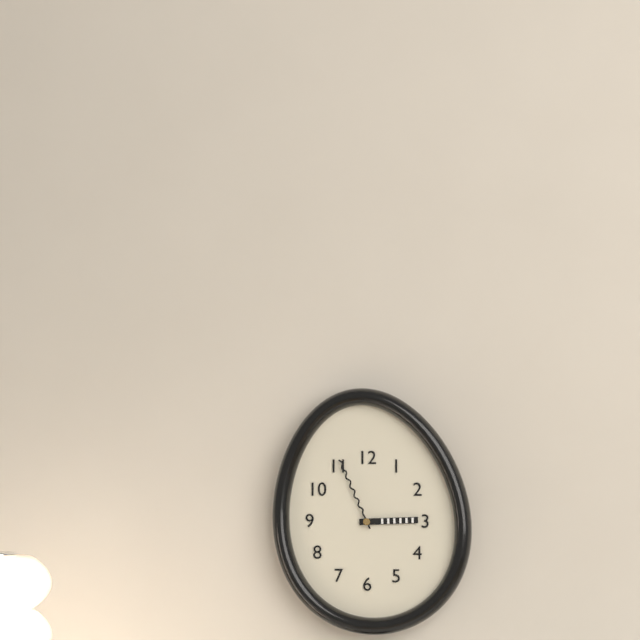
2:56
